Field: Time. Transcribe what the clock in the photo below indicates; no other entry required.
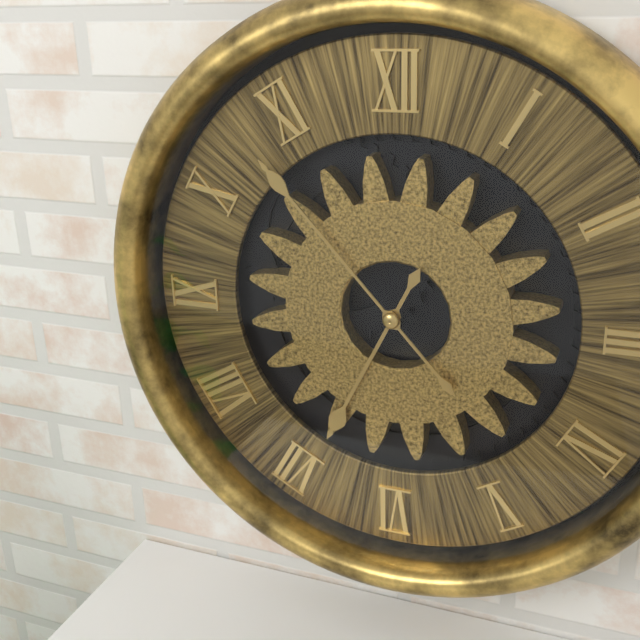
6:53
